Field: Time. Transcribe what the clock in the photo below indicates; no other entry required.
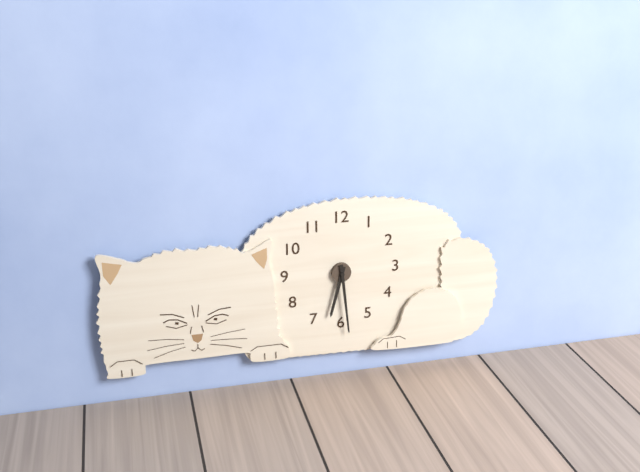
6:29
